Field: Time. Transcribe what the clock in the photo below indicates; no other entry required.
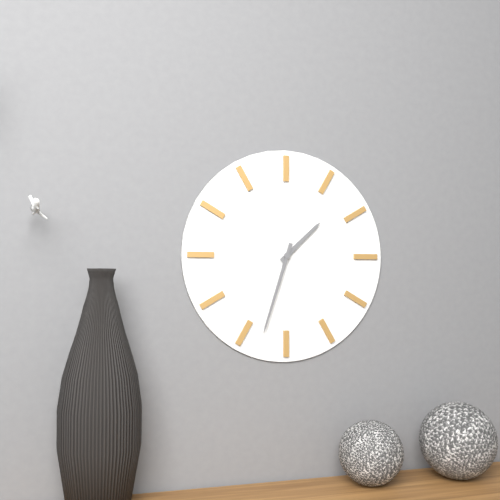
1:33
